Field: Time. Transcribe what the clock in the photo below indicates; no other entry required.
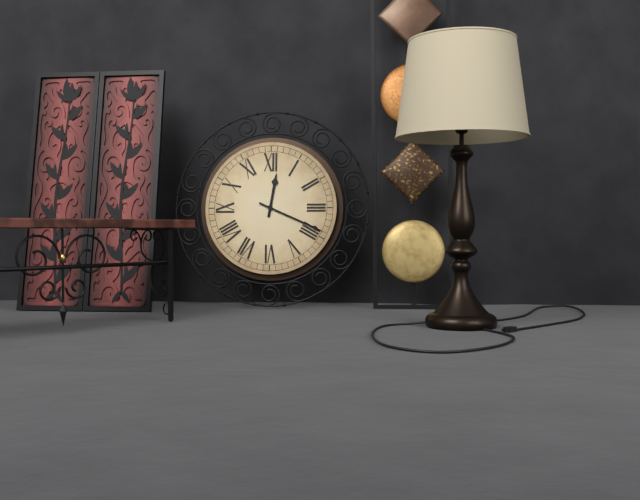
12:19
